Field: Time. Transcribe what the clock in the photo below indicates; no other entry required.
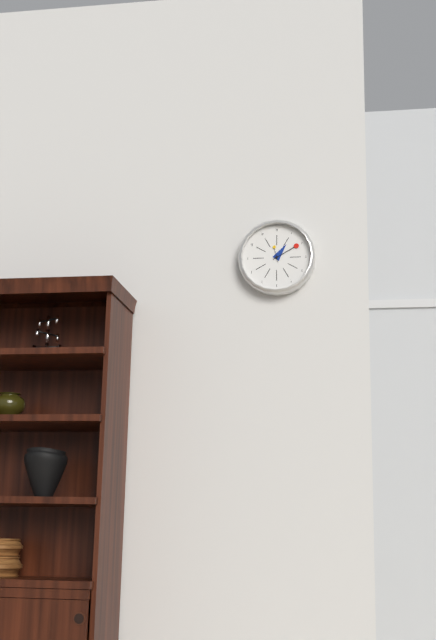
1:10
